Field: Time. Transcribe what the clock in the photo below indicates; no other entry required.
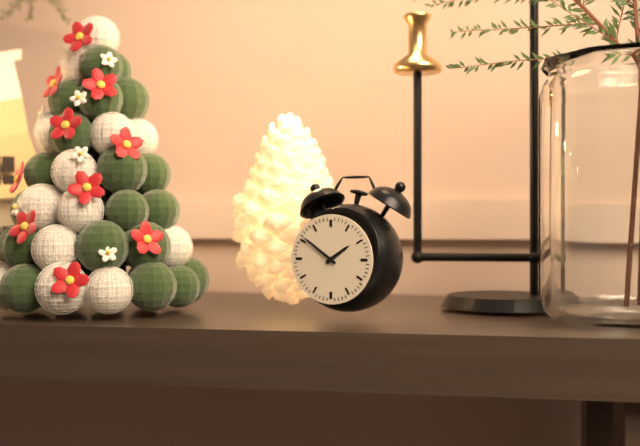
1:51
